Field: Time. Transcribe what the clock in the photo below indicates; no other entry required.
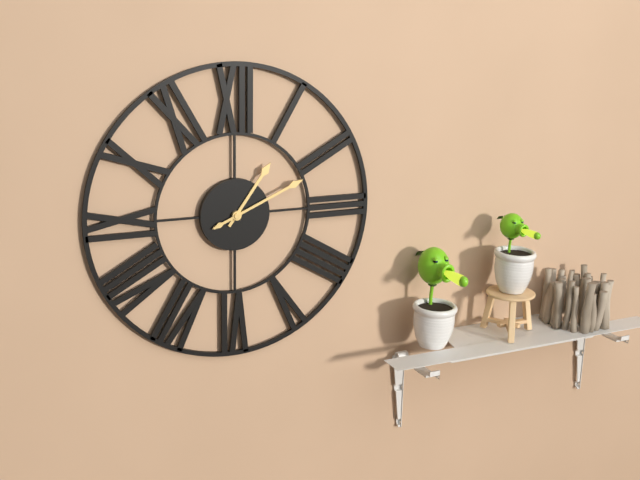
1:11
